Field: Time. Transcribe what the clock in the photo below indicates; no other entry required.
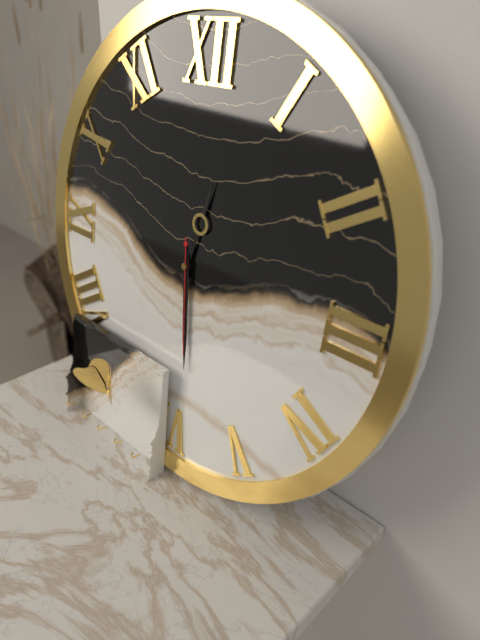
12:29:29
